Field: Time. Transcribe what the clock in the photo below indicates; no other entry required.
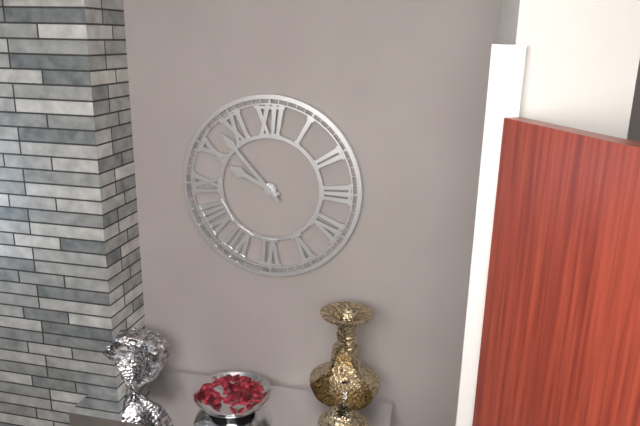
9:53
